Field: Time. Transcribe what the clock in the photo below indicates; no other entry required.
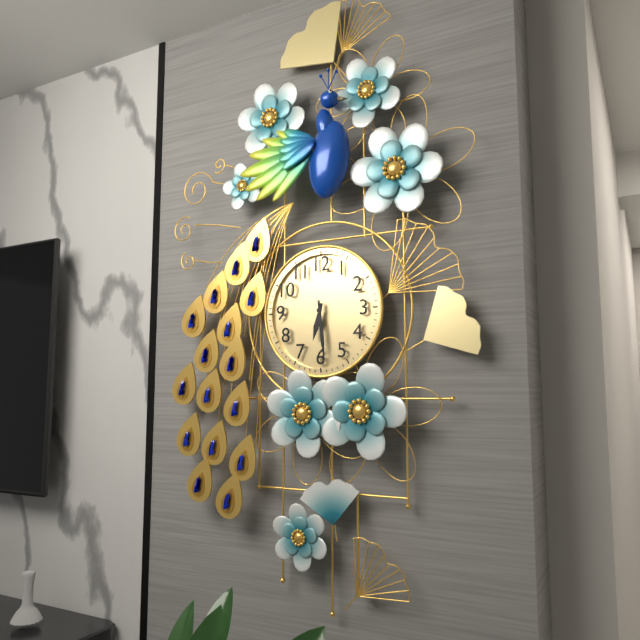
6:29
